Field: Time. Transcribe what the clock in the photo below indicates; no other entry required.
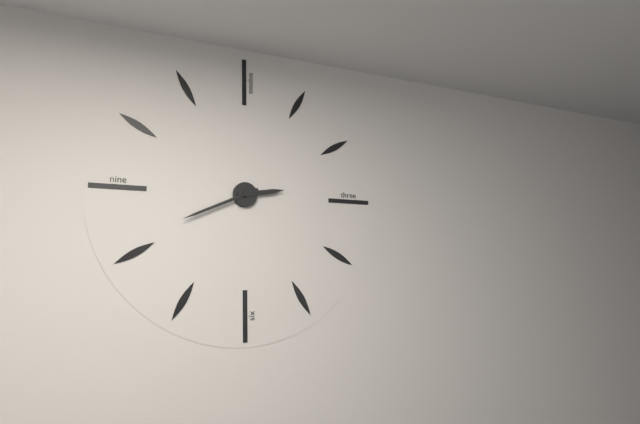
2:41
